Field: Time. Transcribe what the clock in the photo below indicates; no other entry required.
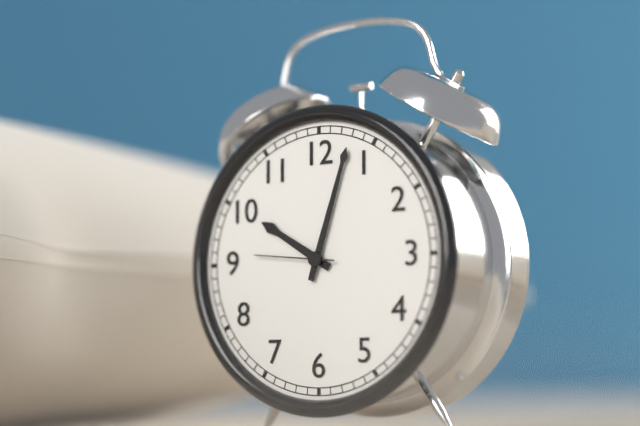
10:03:46
